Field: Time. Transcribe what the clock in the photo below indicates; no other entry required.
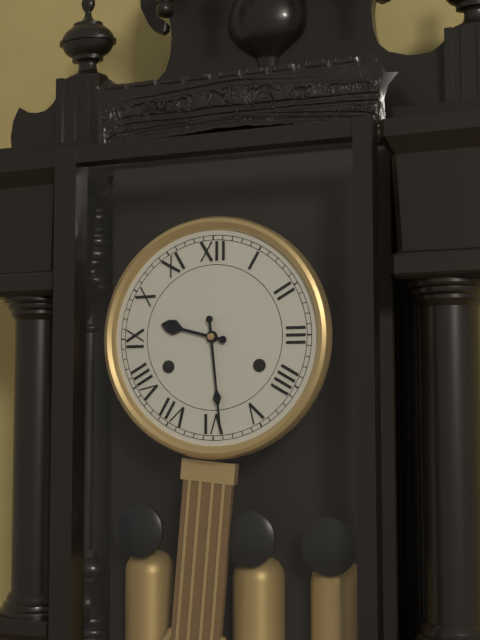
9:29
